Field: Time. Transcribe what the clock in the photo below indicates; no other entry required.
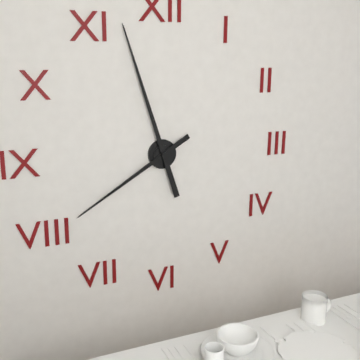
7:57
